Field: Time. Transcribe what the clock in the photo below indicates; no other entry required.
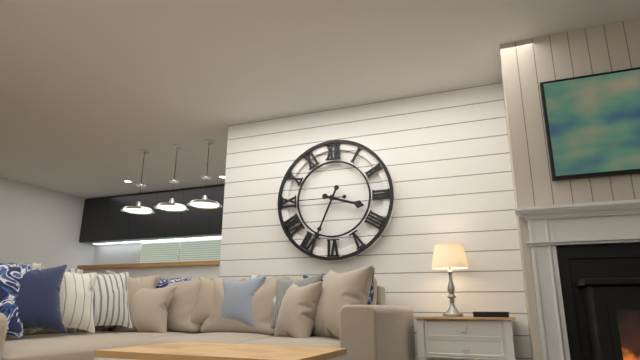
3:34
